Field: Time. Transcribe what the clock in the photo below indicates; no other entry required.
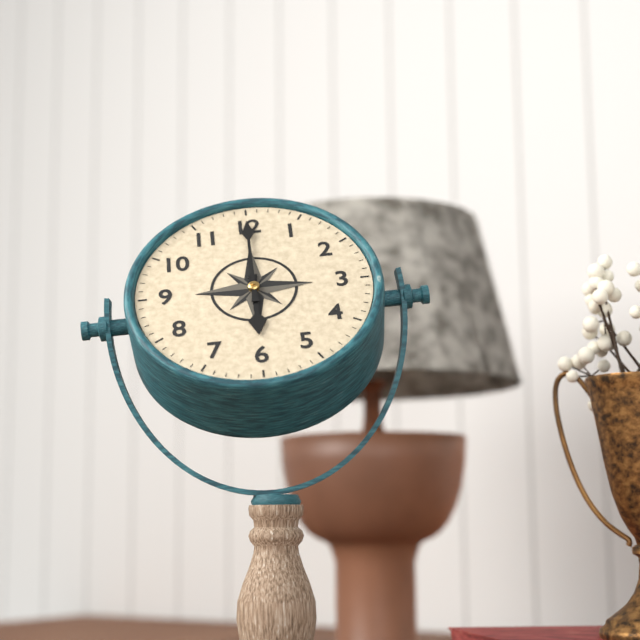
6:00
